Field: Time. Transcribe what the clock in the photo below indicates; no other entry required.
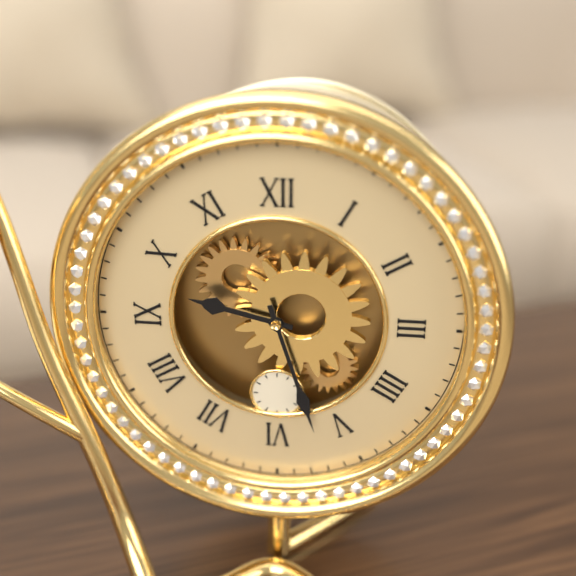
9:27
